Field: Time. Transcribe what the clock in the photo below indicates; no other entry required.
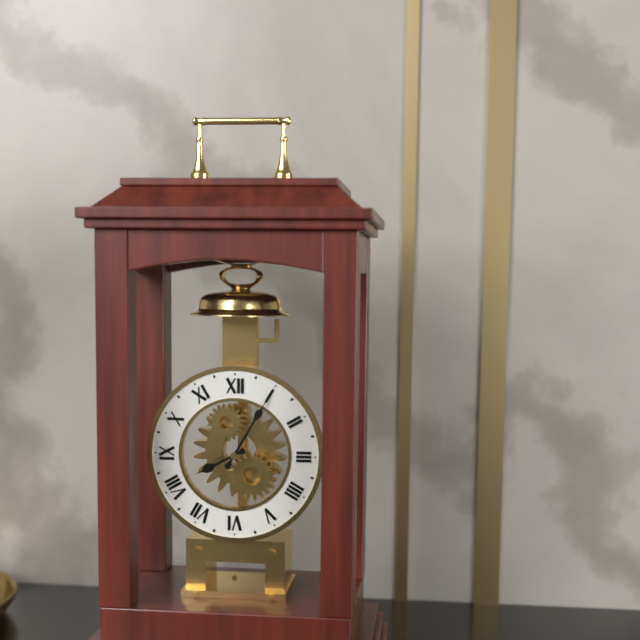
8:05
